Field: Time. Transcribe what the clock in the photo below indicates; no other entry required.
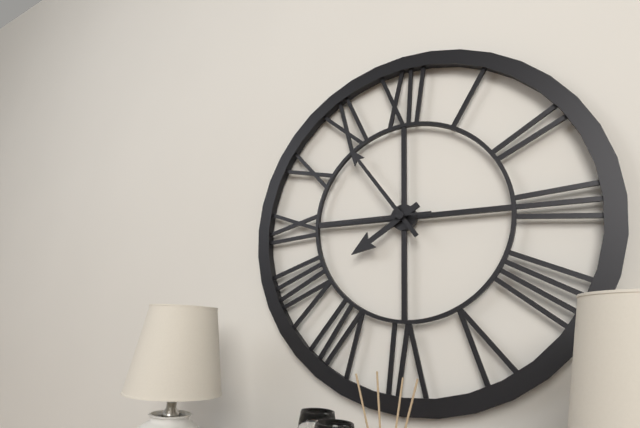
7:54:45
